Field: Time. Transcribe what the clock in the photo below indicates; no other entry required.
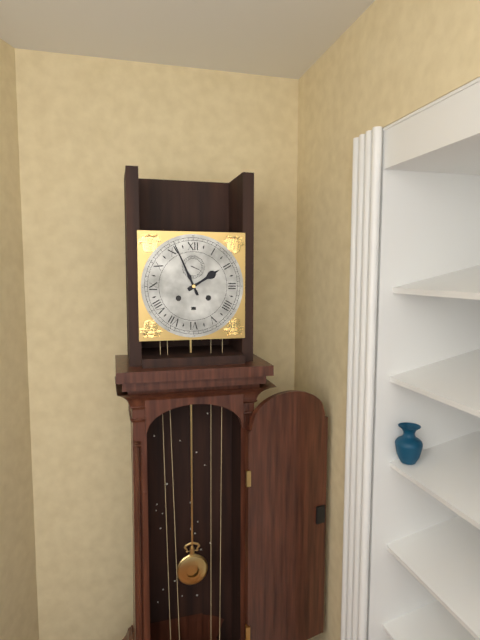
1:56
